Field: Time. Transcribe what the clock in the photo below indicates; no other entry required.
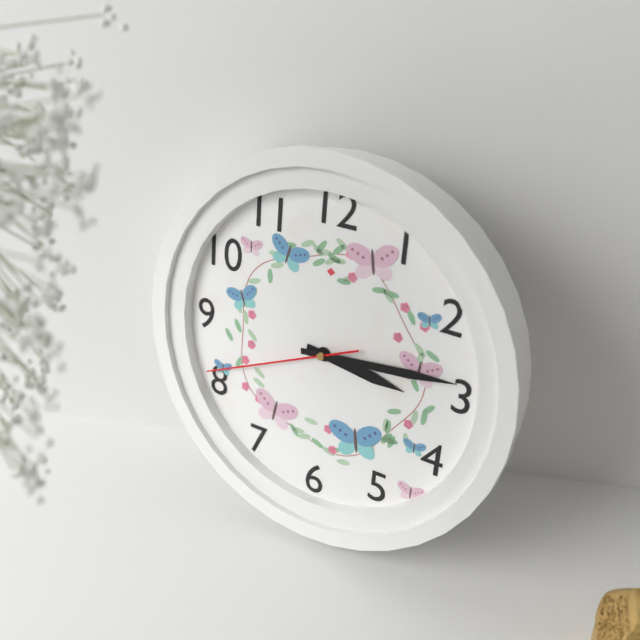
3:14:41
